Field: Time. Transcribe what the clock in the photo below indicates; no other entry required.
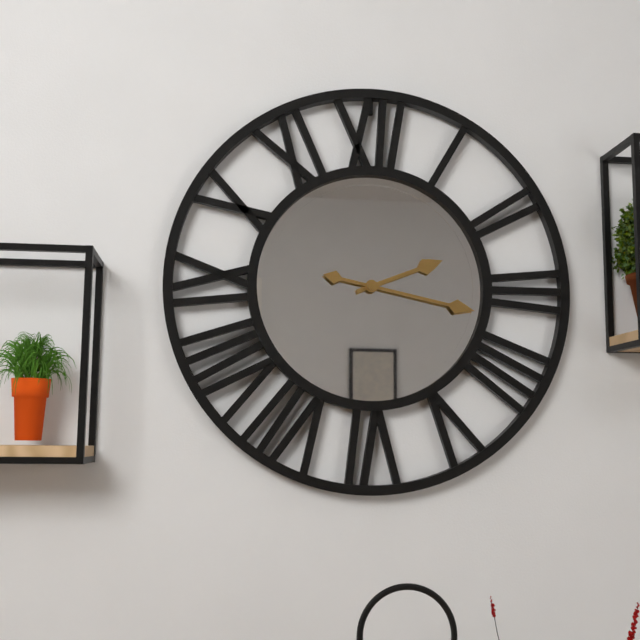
2:17
